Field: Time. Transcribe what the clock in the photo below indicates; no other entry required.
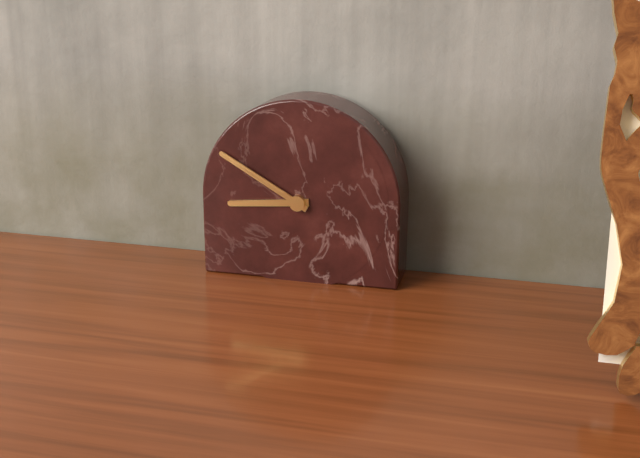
8:50
